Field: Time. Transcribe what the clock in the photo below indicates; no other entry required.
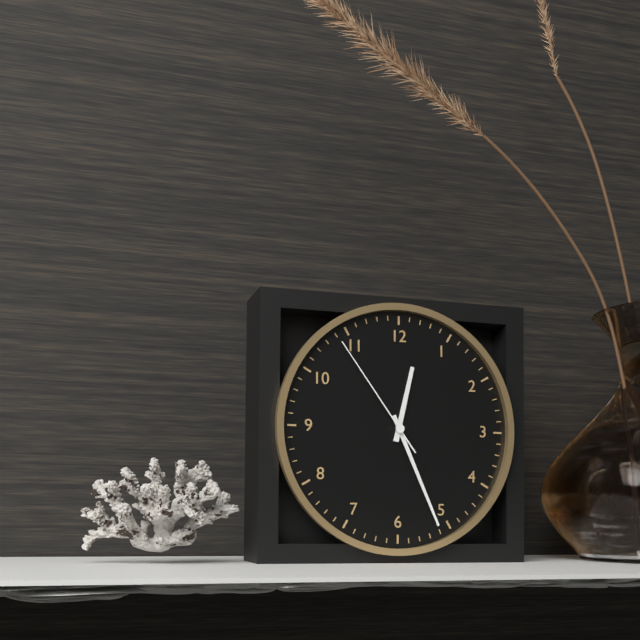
12:26:54
